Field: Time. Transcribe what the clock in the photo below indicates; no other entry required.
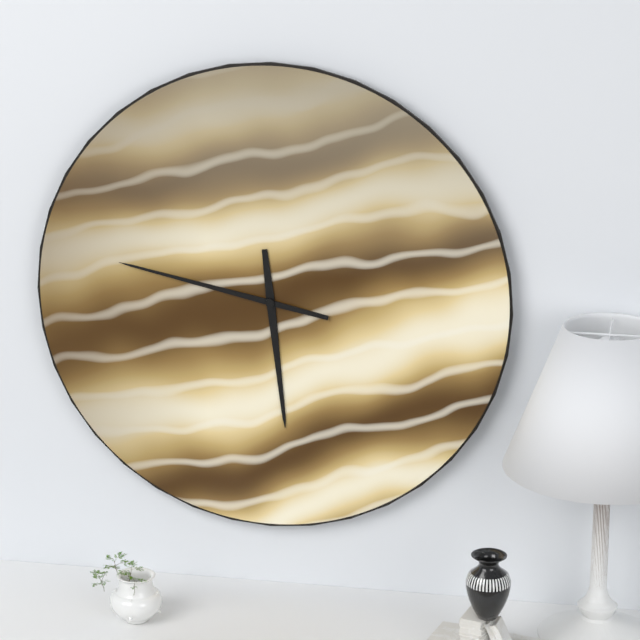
5:47
